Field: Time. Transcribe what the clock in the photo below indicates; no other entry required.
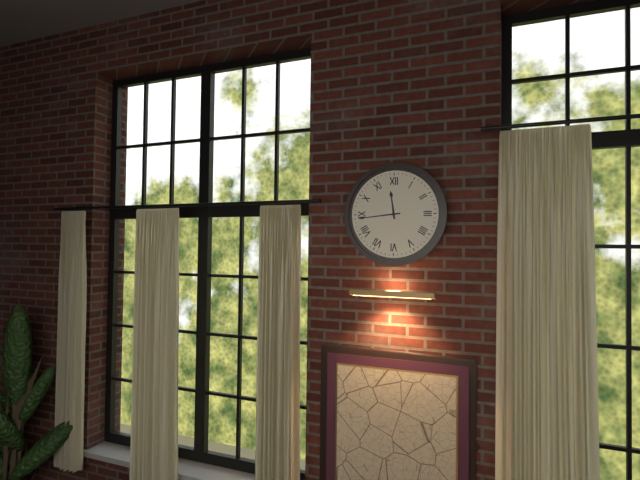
11:44
